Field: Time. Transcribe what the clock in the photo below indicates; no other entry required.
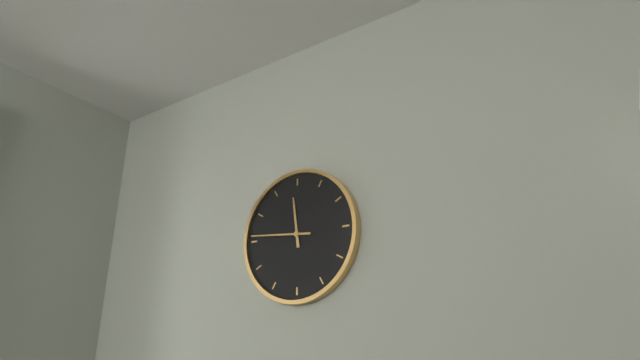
11:46
